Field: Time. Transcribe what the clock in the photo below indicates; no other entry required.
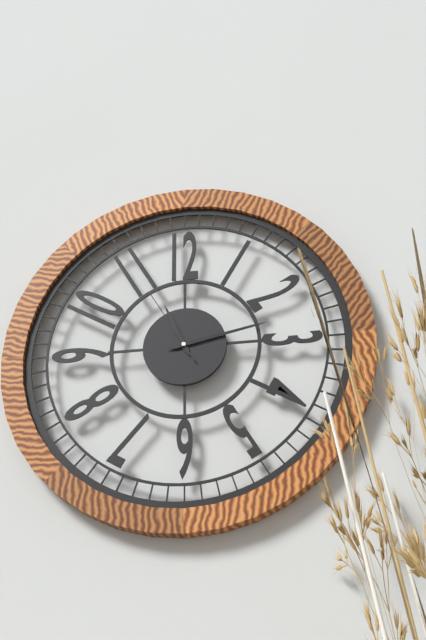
11:13:55
